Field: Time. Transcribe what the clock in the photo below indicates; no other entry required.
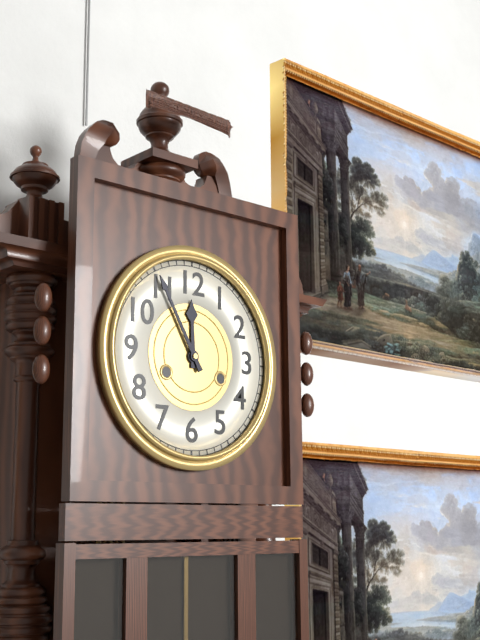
11:55
